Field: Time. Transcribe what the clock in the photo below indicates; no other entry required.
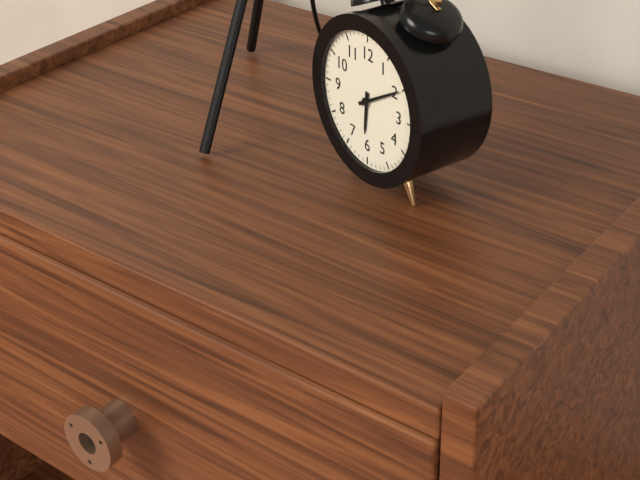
6:10
